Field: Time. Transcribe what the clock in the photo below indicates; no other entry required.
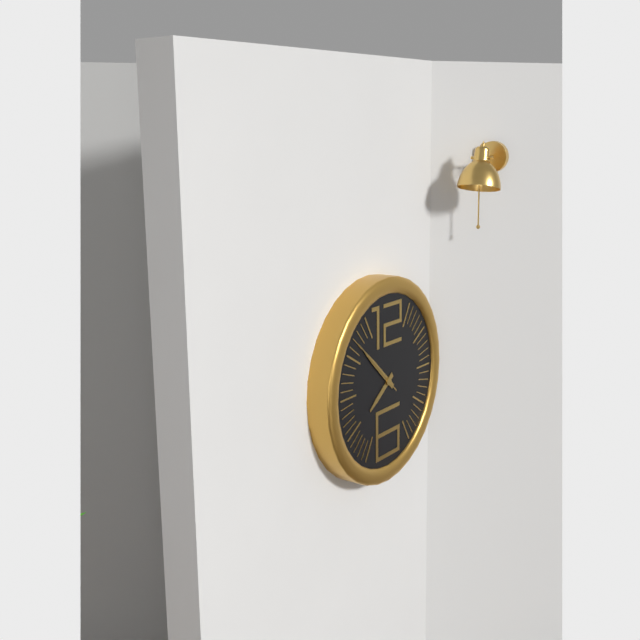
7:52
